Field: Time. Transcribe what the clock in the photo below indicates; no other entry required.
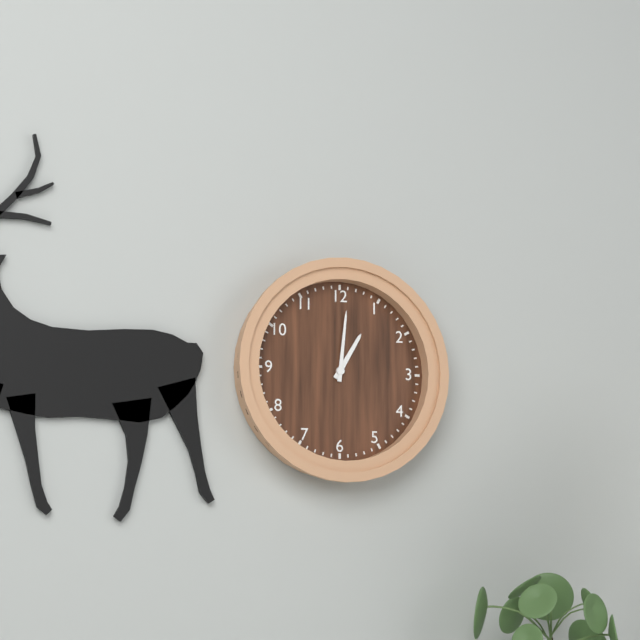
1:01
